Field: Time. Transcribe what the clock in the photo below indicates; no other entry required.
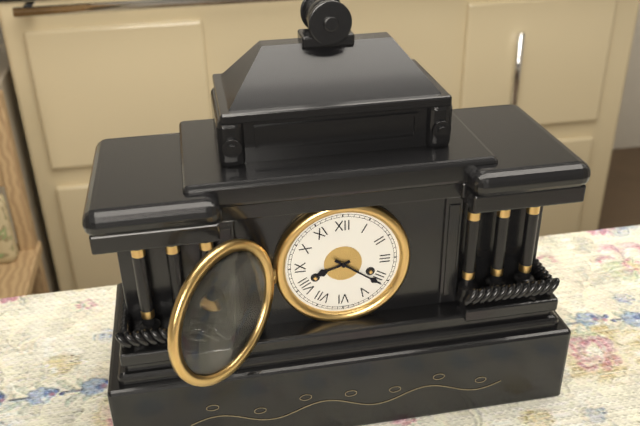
8:21
